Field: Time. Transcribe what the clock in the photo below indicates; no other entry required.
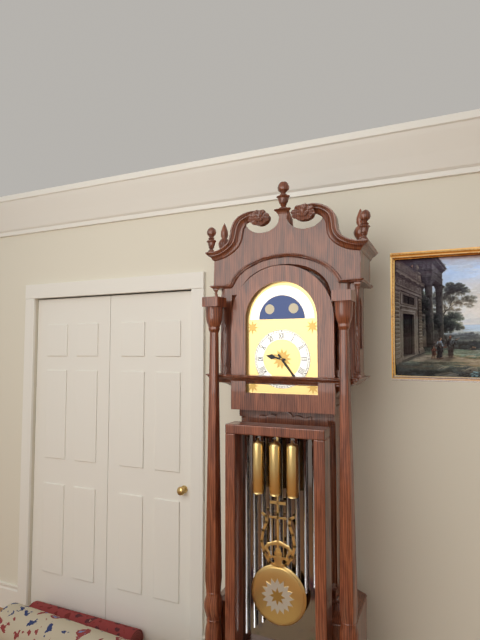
9:24
